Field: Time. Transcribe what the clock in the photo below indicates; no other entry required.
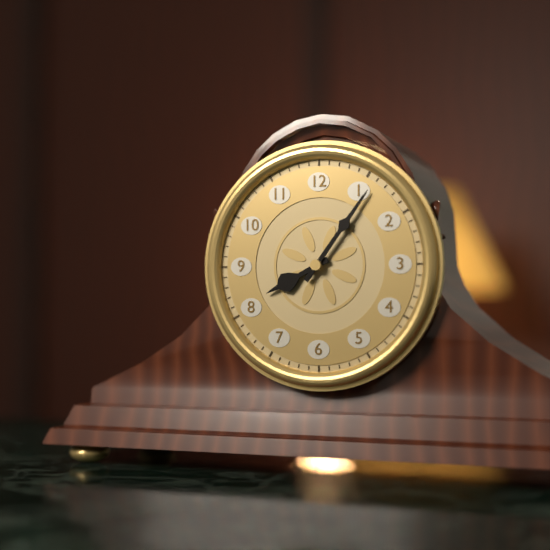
8:06
